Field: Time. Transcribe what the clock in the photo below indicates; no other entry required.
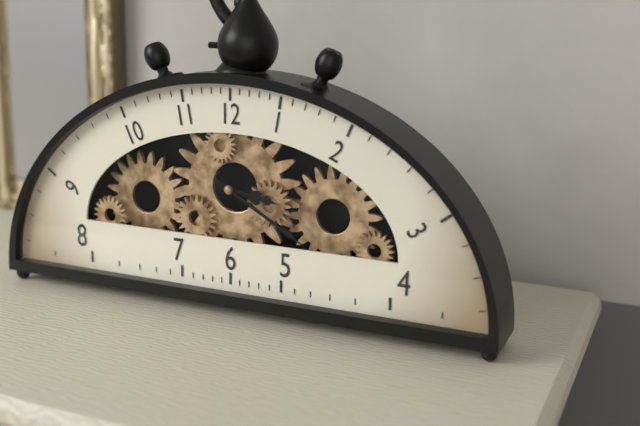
3:20
